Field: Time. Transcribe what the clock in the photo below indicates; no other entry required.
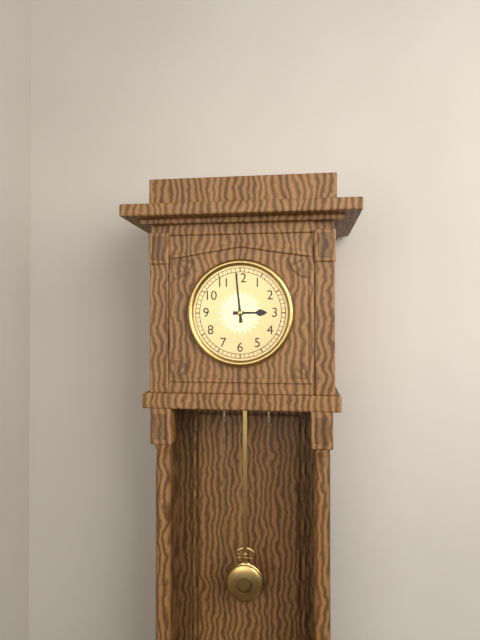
2:59
